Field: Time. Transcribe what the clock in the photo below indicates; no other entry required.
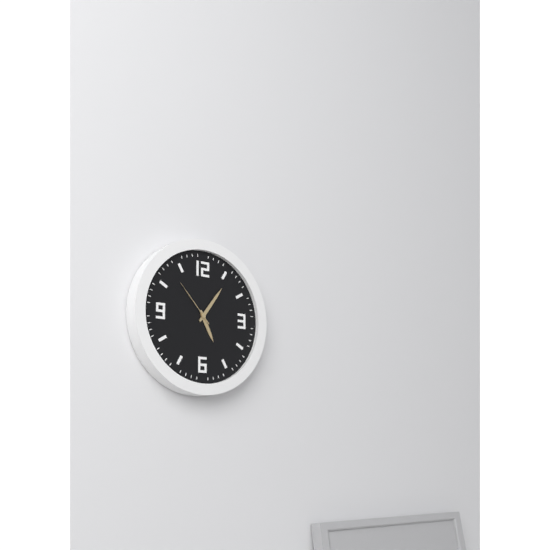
5:06:53
